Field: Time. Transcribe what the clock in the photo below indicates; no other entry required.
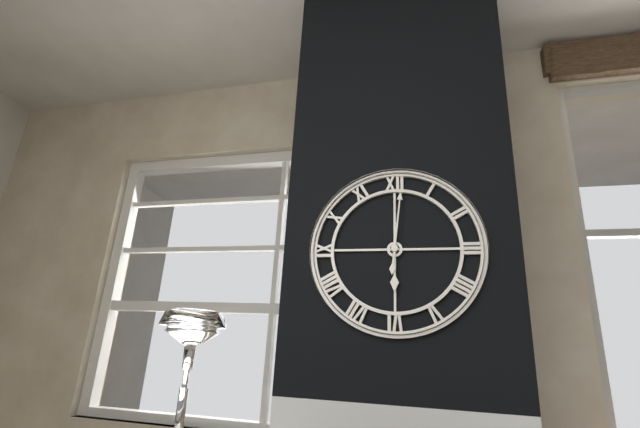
6:01
